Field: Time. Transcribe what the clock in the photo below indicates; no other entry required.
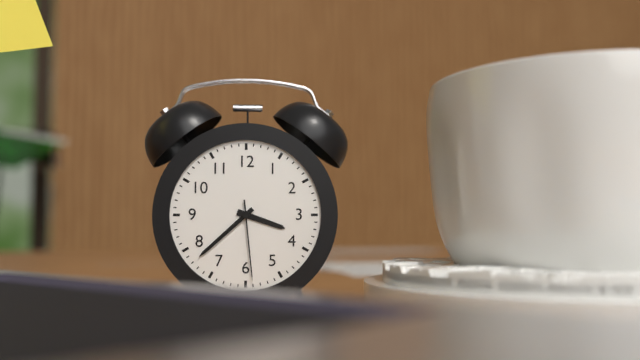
3:38:29
